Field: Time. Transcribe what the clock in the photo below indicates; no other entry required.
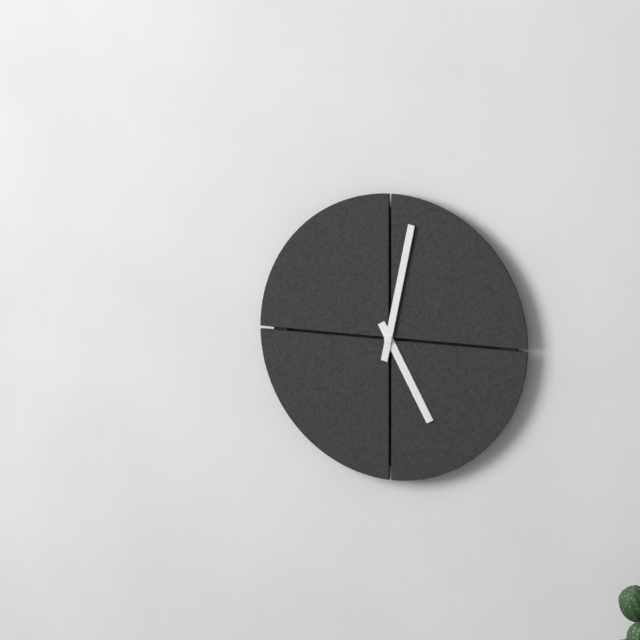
5:02
